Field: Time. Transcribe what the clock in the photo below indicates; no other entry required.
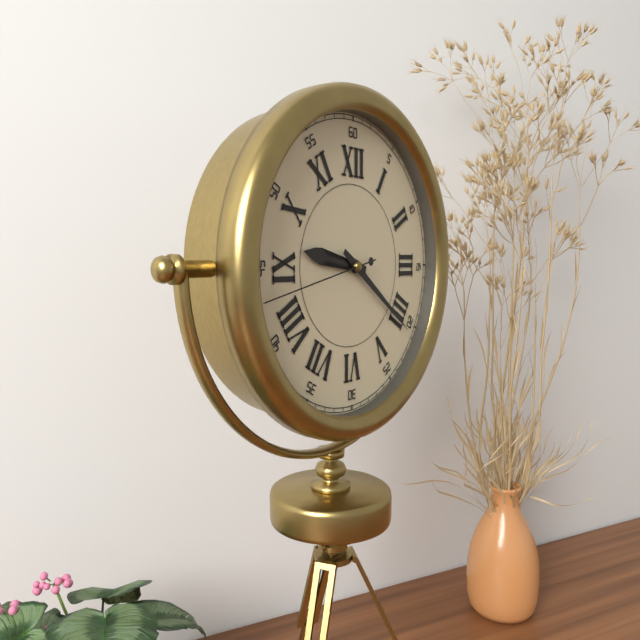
9:21:43
